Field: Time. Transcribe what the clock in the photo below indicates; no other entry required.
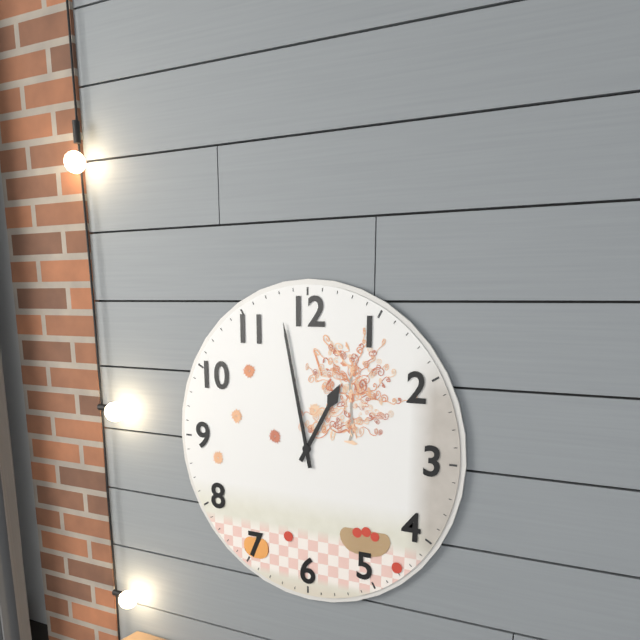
12:58
